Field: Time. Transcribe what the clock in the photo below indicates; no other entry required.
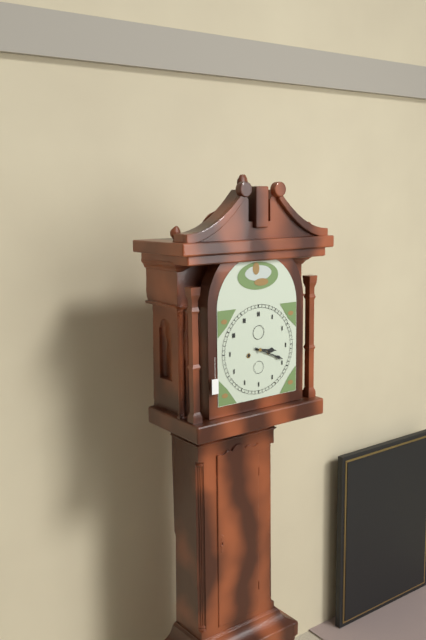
3:19
